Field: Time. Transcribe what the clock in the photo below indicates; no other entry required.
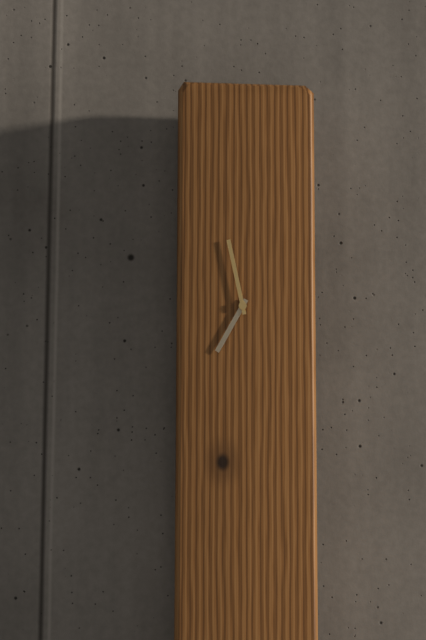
6:58
